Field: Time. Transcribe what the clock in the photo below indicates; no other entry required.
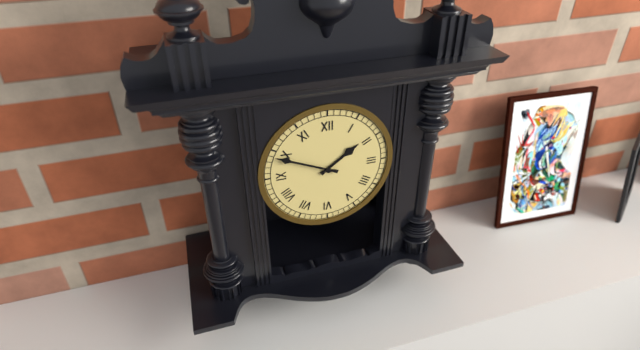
1:49
